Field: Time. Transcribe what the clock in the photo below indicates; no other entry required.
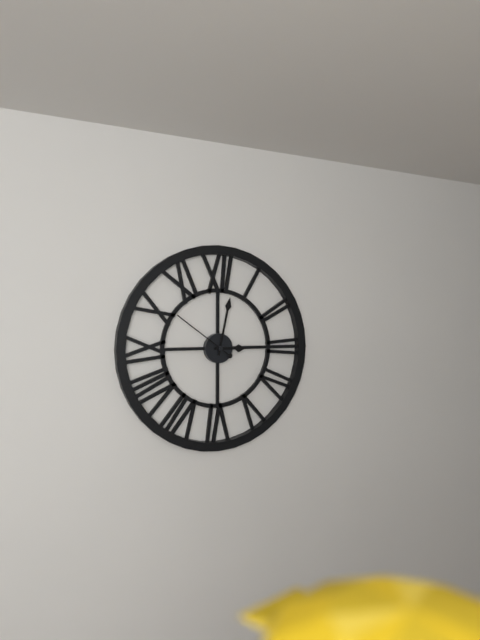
3:02:51
